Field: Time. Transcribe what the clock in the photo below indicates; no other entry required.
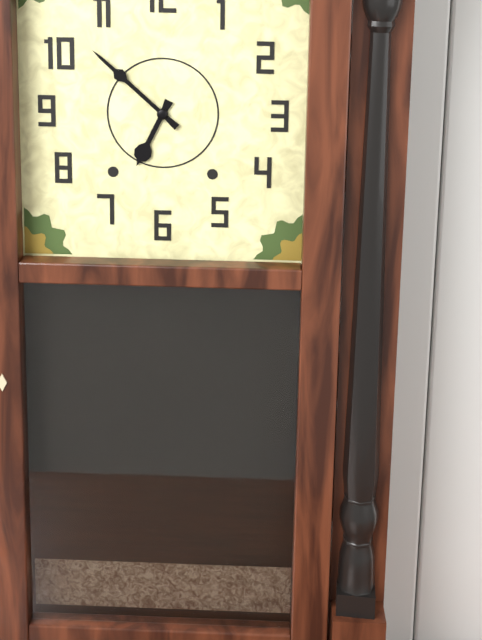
6:52
